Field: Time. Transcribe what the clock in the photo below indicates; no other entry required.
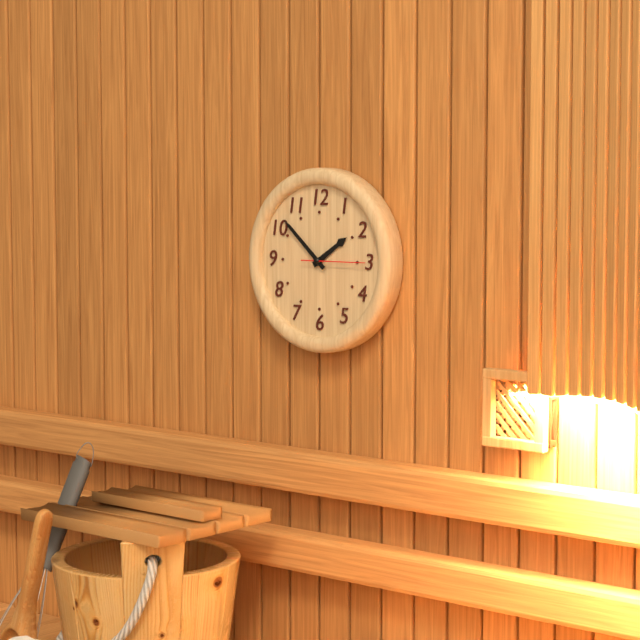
1:52:15
